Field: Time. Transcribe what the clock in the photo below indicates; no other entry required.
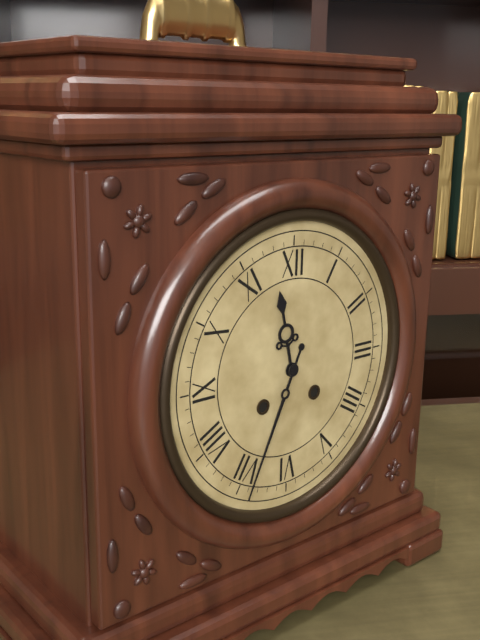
11:34
